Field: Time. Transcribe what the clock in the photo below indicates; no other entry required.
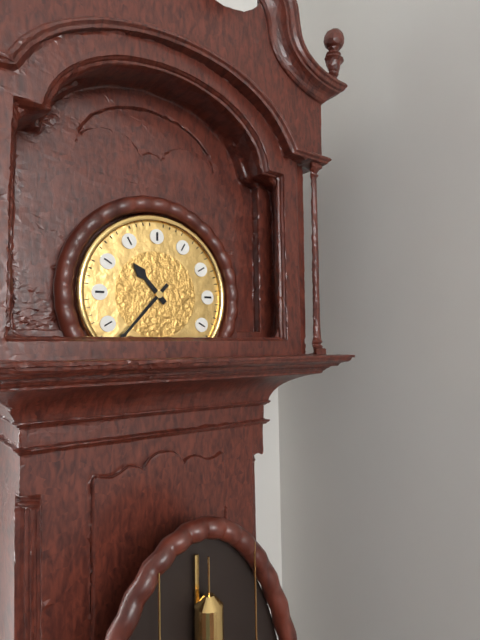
10:37
